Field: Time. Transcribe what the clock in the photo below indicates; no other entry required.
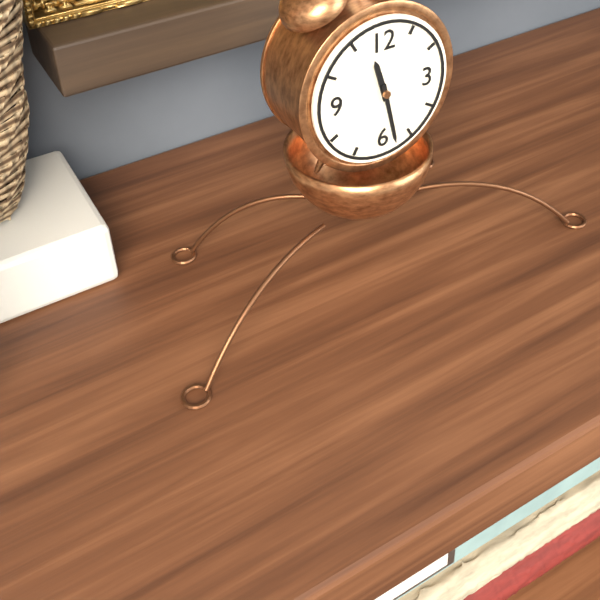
11:28
